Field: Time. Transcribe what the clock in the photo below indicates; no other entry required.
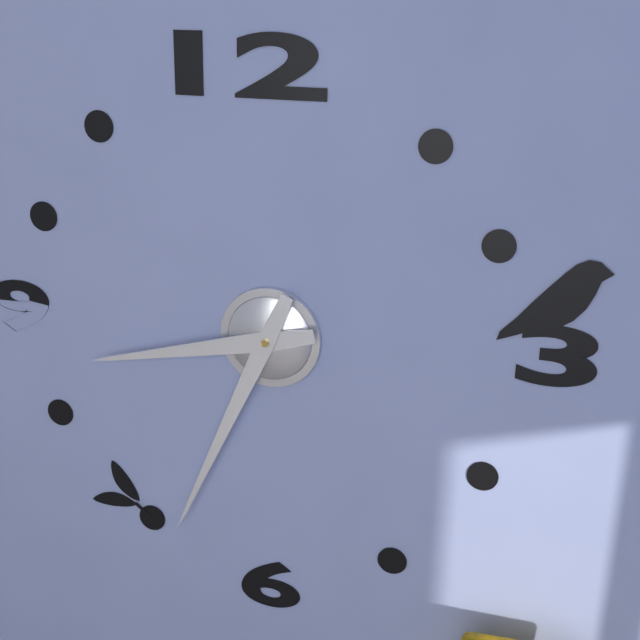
8:34
